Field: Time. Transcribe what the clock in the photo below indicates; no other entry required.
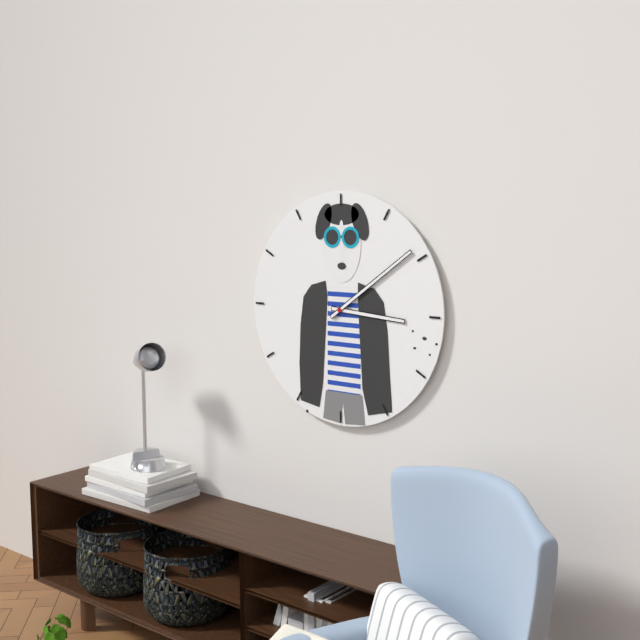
3:09
